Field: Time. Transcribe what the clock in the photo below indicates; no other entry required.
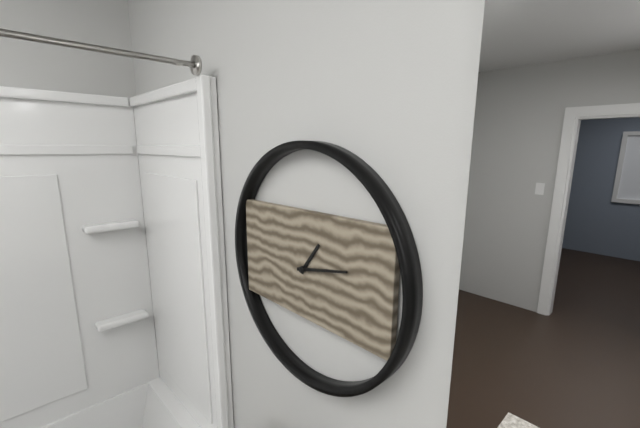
1:13
